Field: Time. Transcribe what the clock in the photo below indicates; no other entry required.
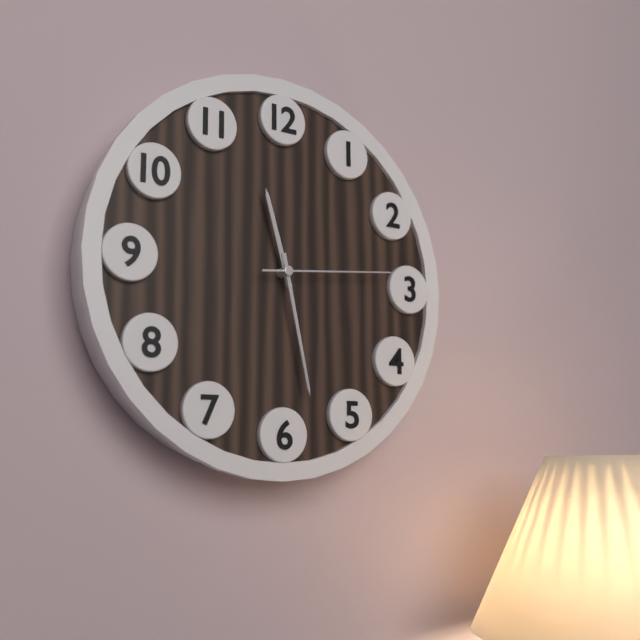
11:28:14
